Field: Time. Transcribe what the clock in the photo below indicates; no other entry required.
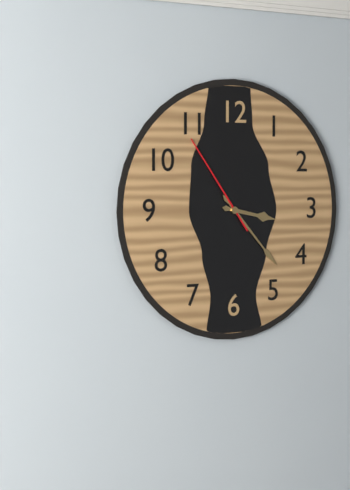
3:23:54
